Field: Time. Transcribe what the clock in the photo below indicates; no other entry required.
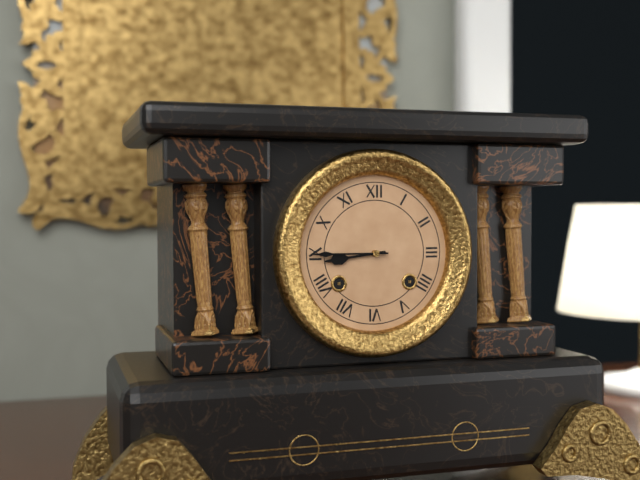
8:45
